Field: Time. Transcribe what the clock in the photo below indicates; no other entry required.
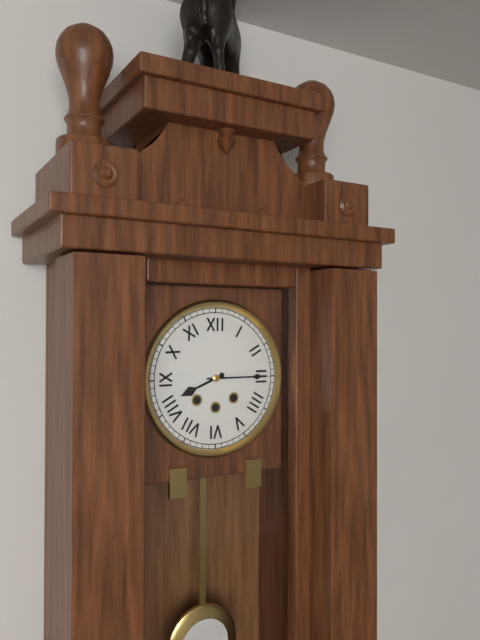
8:15
